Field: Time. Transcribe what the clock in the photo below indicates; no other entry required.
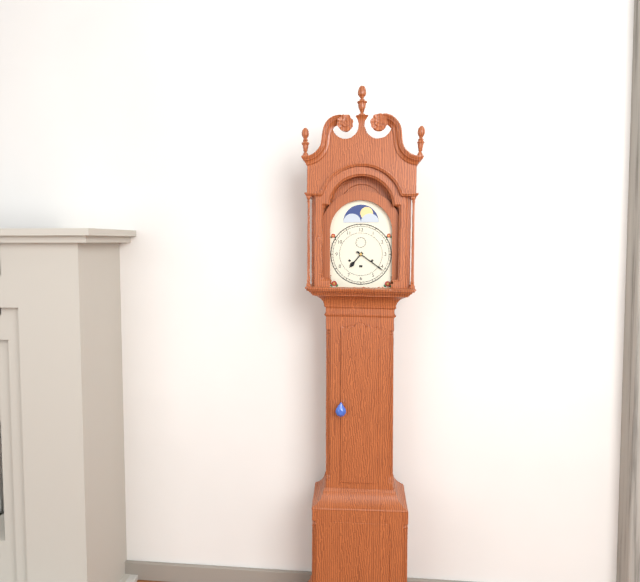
7:21
